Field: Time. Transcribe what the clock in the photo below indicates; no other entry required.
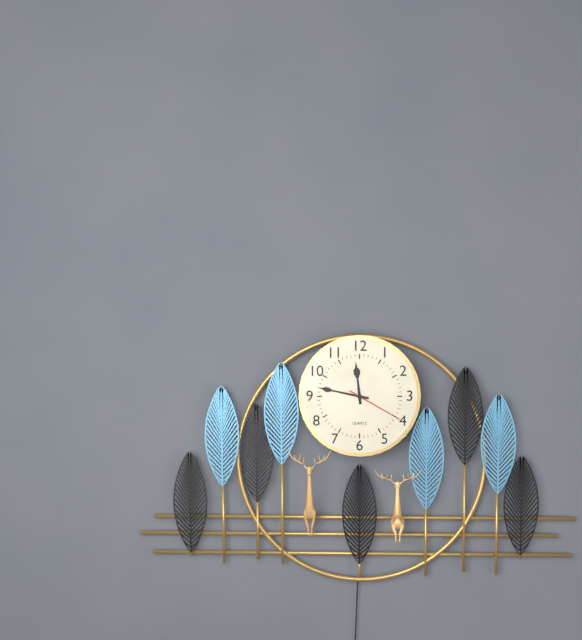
11:47:20
